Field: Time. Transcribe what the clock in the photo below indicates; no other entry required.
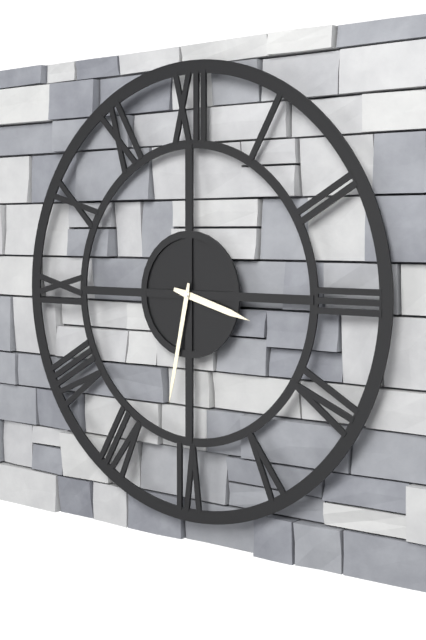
3:32
